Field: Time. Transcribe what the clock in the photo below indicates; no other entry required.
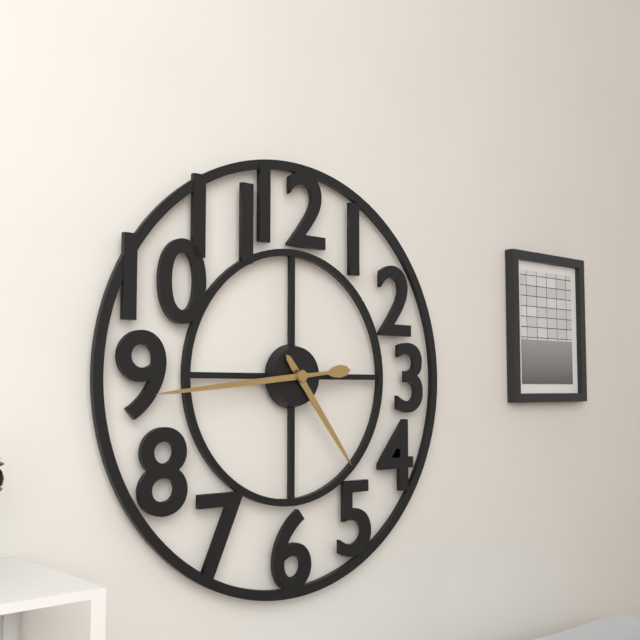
4:44
